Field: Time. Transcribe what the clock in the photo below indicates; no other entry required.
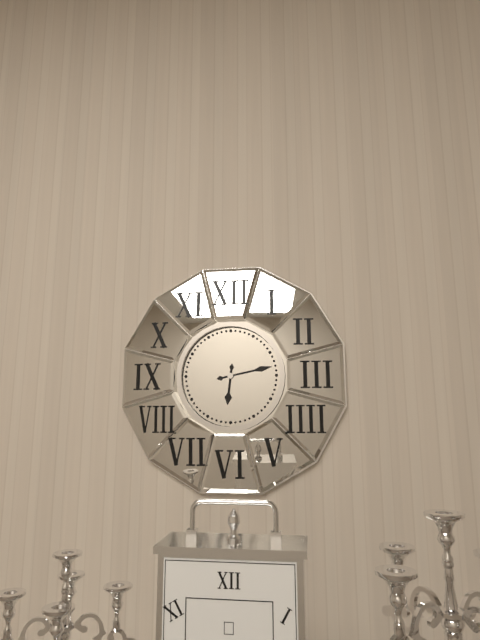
6:13
